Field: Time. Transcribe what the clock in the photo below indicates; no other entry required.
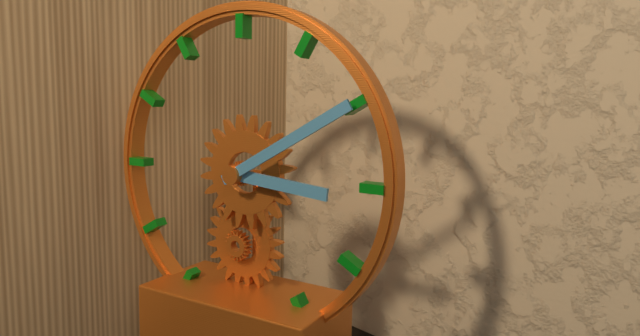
3:10
